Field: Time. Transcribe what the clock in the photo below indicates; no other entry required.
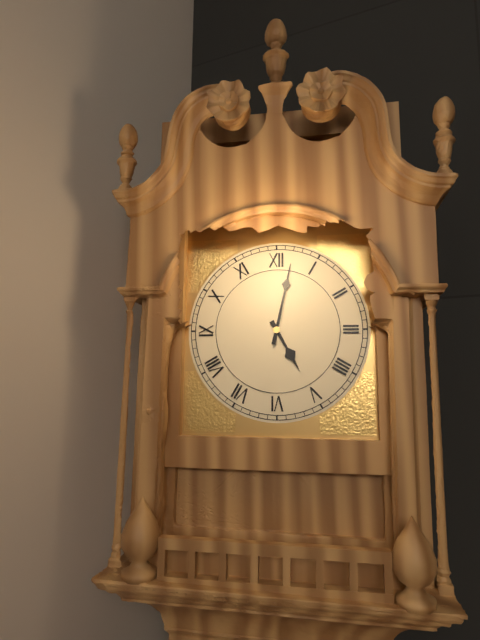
5:02
